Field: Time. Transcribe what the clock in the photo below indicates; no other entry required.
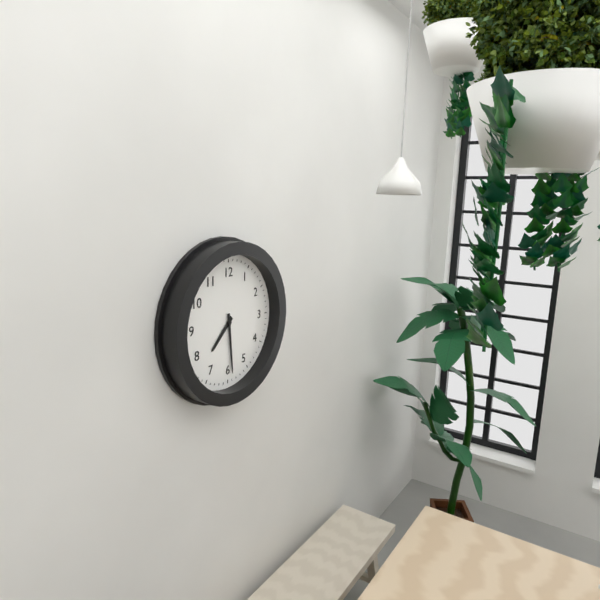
7:29
